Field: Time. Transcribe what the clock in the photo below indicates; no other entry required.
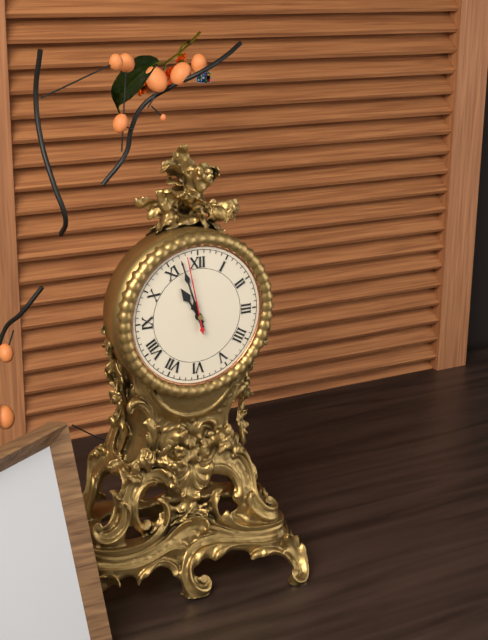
10:57:58
